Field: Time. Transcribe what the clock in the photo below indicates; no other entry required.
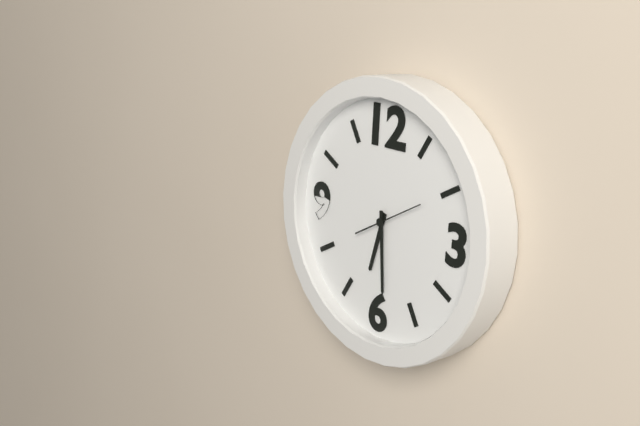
6:29
